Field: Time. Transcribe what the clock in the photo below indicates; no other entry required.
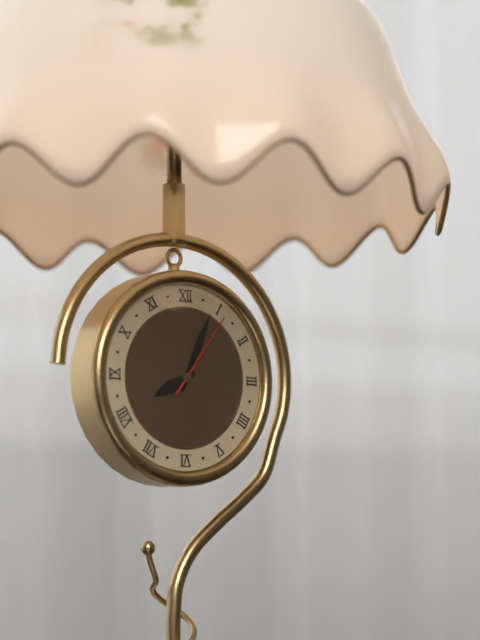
8:04:06
